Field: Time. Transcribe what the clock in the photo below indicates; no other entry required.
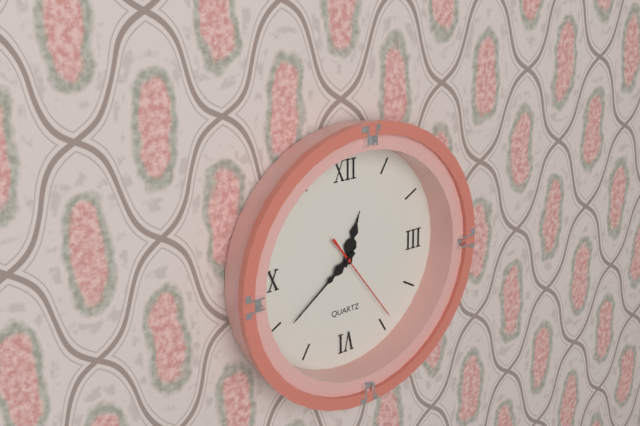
12:39:24
